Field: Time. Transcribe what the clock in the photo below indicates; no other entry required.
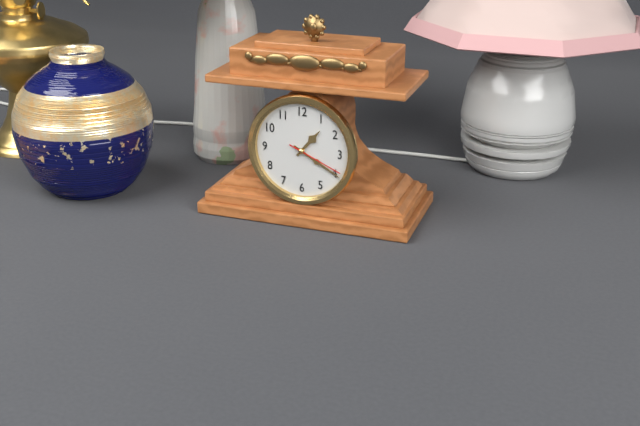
1:20:19
